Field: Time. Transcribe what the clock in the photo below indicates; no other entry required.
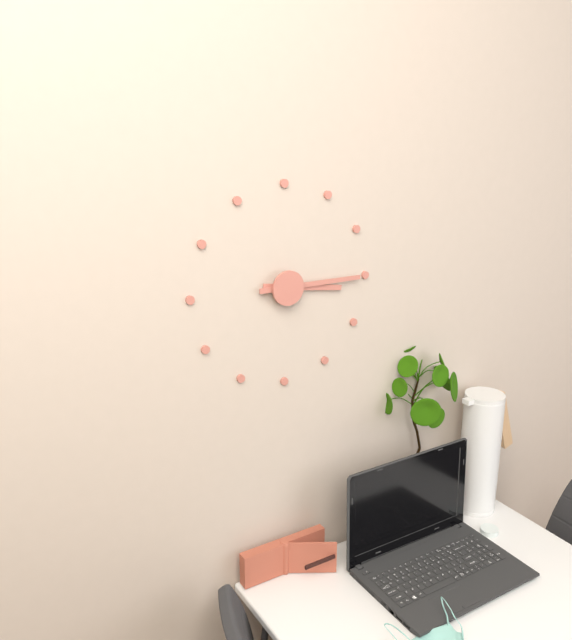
3:15
